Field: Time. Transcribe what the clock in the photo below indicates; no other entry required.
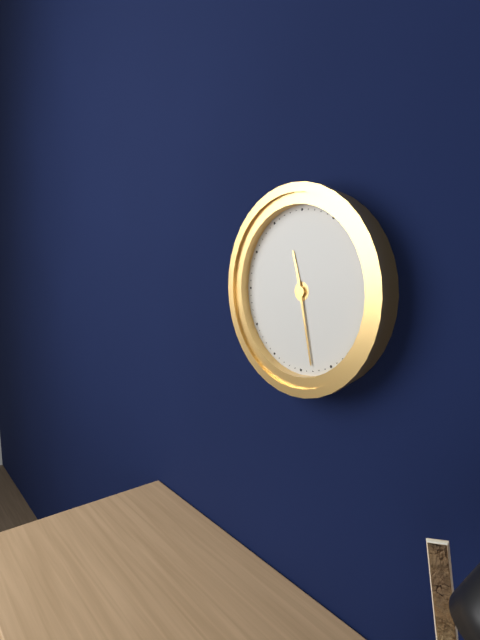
11:28
